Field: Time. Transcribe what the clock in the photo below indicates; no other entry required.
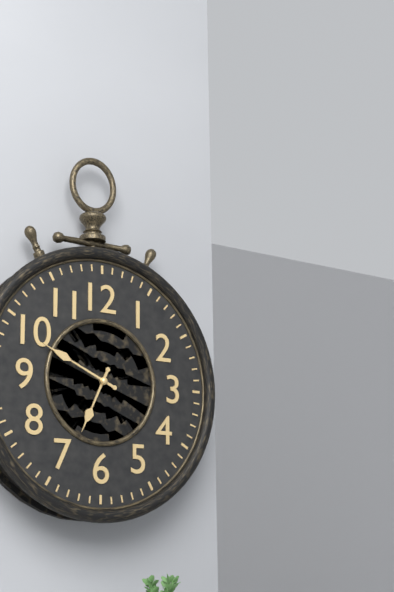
6:49
